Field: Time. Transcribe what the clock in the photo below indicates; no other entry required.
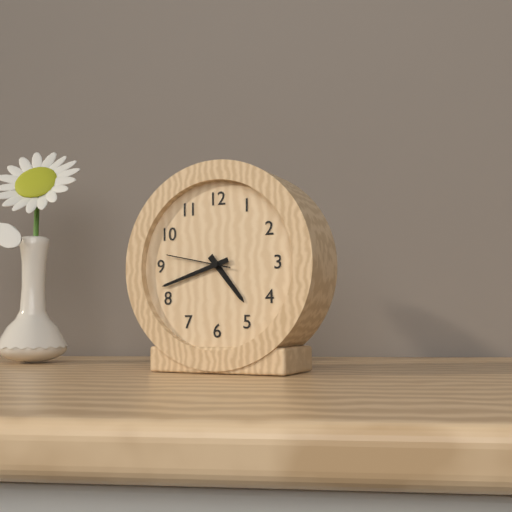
4:42:47
